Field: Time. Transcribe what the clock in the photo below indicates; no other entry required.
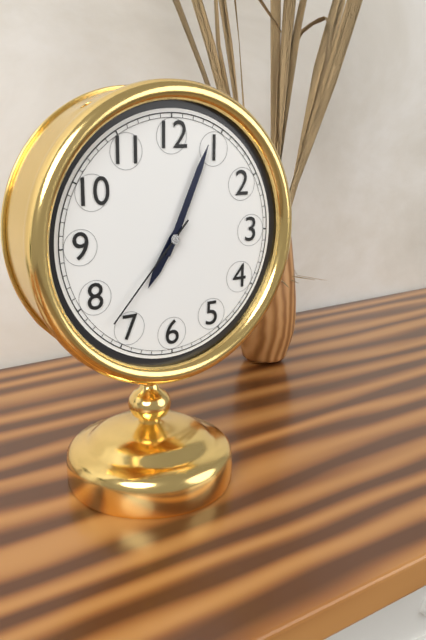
7:04:37
